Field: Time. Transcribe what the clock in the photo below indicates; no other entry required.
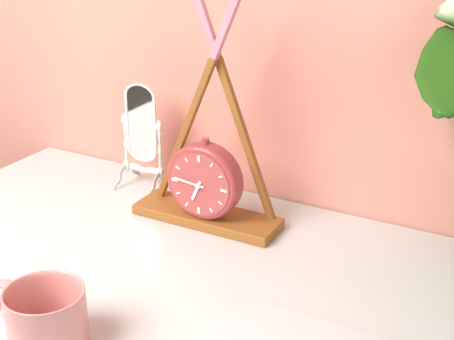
6:46
